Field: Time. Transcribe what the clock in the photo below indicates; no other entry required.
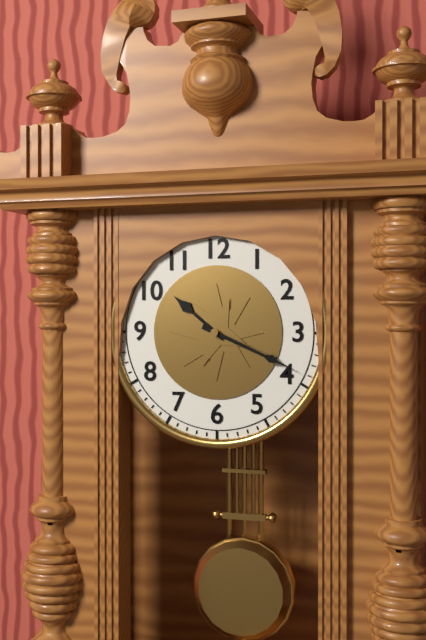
10:19
